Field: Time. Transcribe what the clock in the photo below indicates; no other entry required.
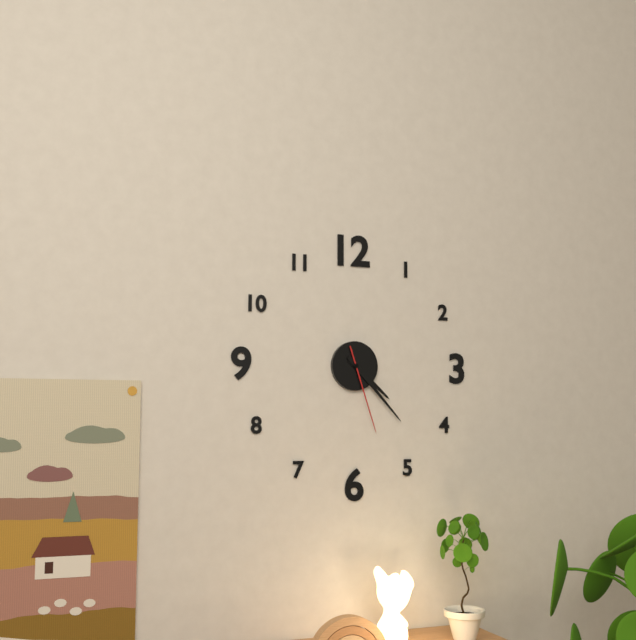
4:23:27
